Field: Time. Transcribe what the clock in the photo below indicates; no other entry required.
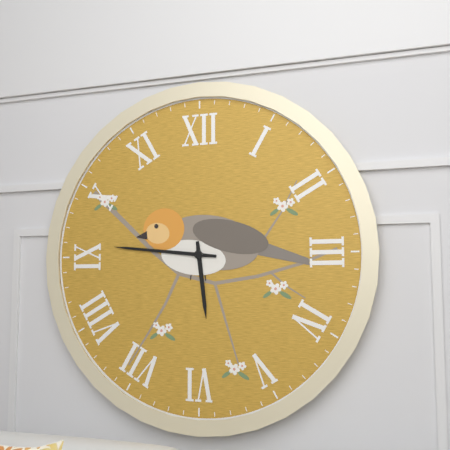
5:46
